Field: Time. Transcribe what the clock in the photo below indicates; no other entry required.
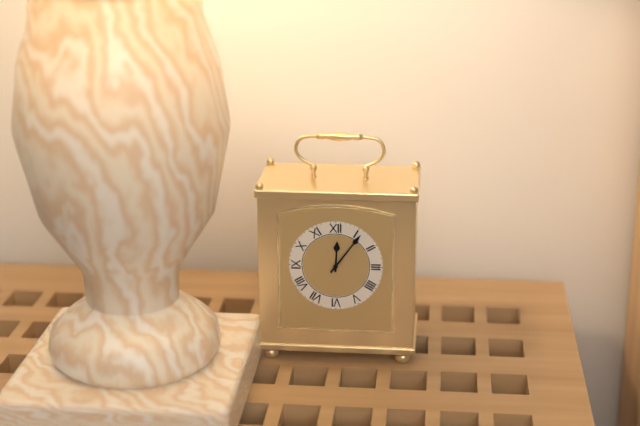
12:06
